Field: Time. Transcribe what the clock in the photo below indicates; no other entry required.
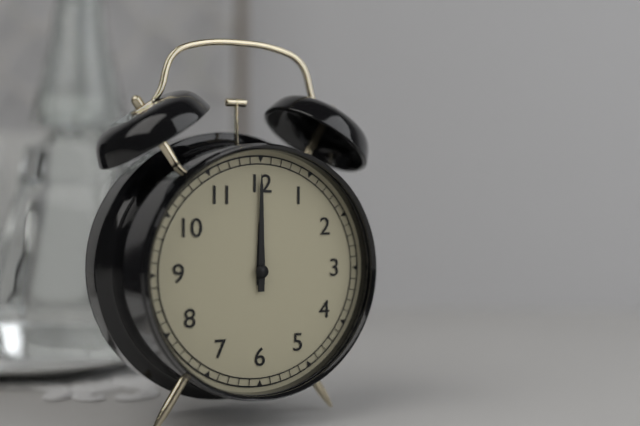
12:00
